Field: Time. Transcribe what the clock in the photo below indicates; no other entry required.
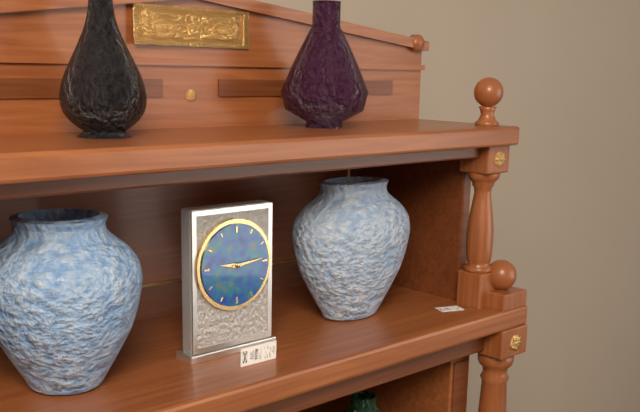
9:14
